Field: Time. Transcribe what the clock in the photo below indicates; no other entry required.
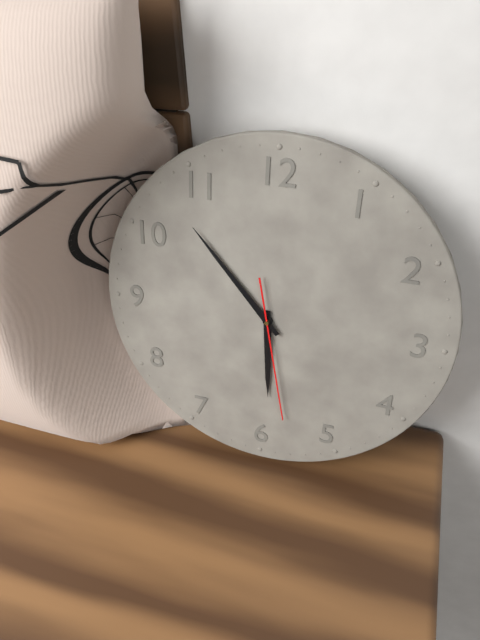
5:53:28
